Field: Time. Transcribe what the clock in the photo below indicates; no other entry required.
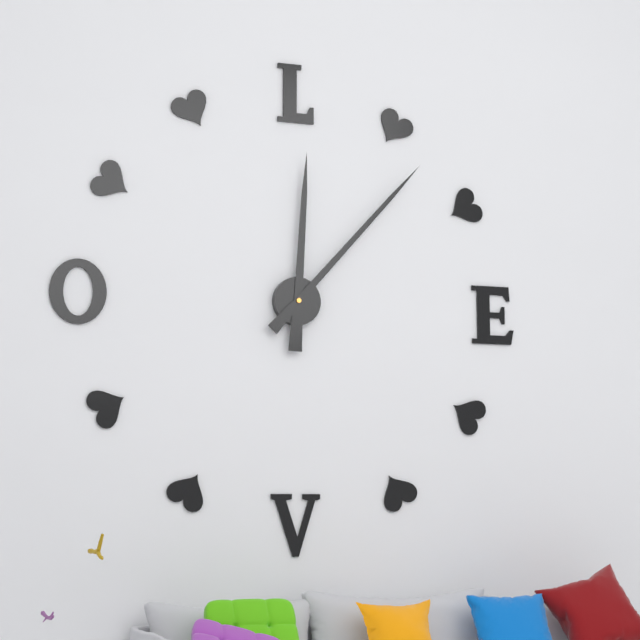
12:07
